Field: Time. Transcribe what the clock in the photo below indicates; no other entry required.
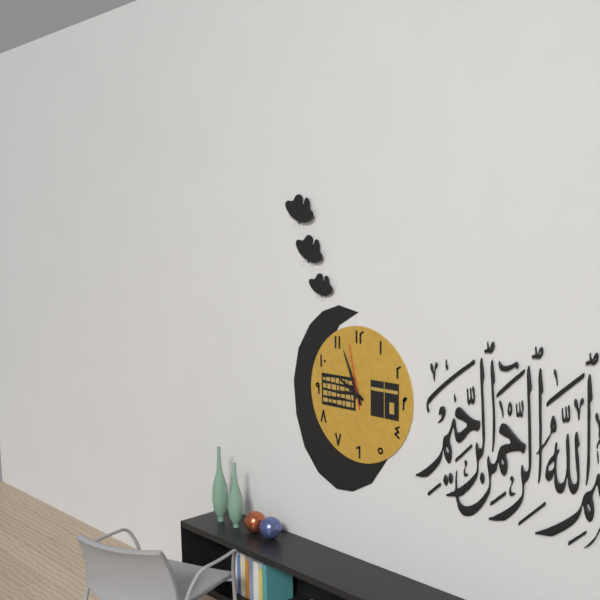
9:56:58
